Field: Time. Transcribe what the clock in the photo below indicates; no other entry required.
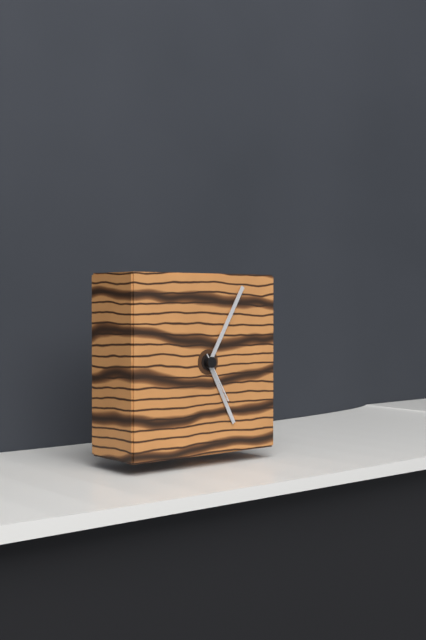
5:05:25
